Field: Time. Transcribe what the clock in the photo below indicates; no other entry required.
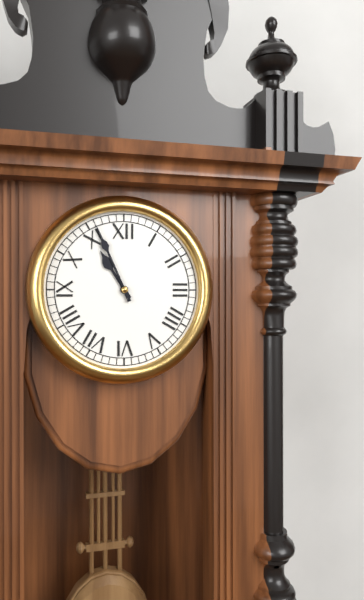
10:56
